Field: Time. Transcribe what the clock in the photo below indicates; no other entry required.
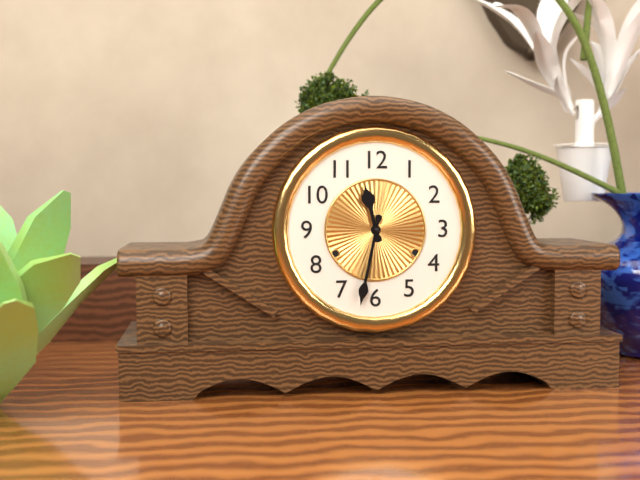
11:32
